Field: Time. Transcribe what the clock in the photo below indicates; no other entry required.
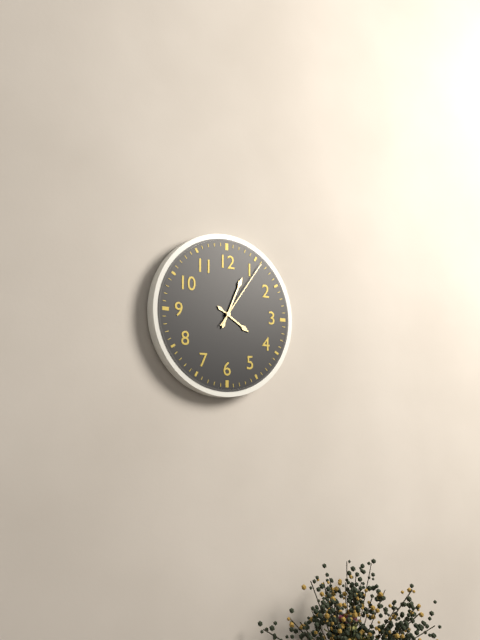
4:04:06
